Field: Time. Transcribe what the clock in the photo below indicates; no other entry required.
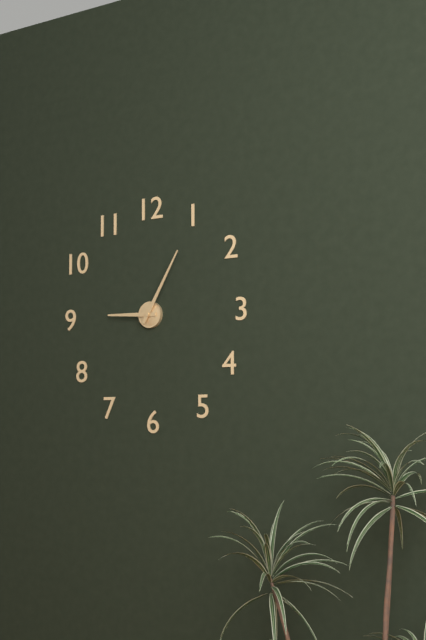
9:05
